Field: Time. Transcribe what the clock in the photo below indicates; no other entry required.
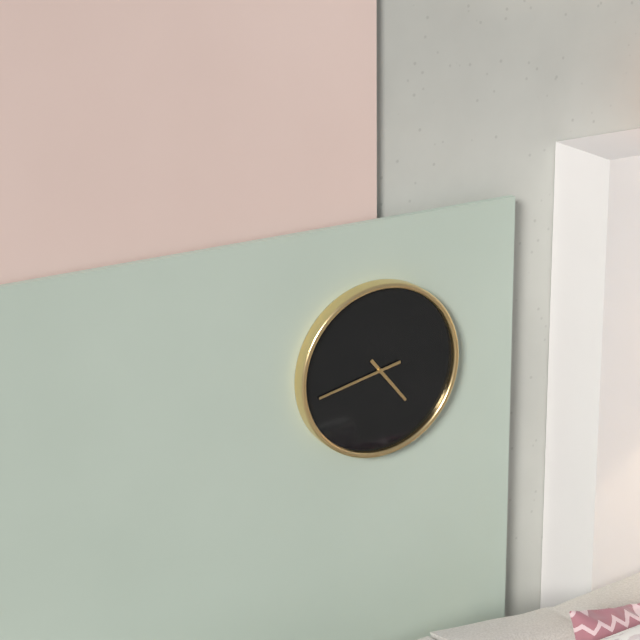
4:43
